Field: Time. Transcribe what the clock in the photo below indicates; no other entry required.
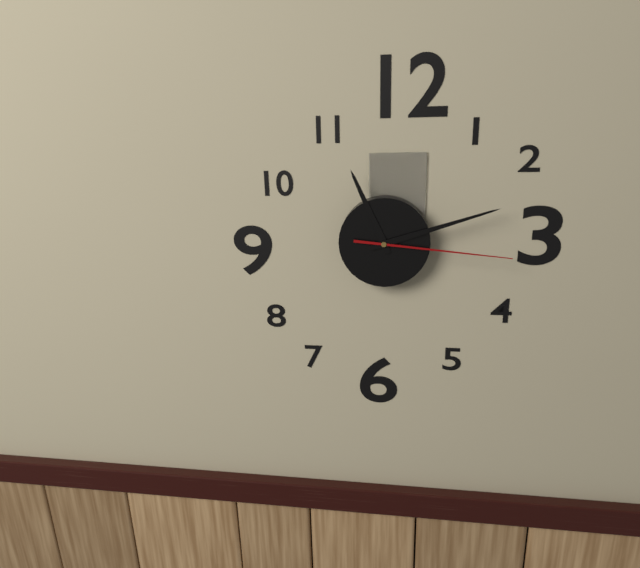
11:12:16
